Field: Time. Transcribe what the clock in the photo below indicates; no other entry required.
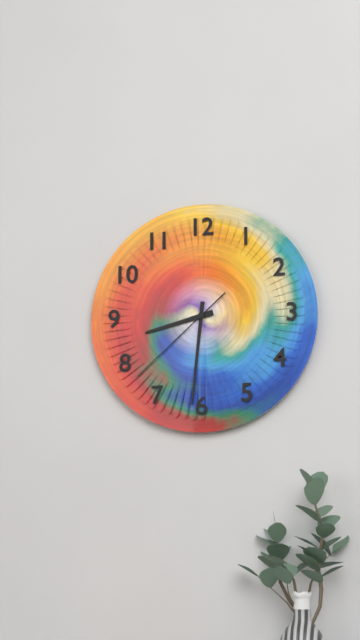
8:31:38
